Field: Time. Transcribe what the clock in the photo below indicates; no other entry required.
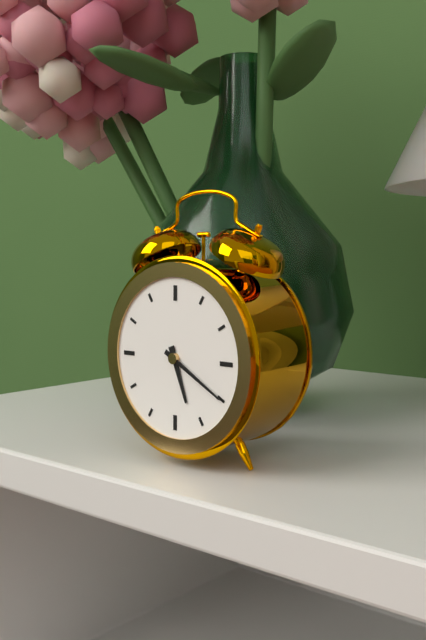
5:20
